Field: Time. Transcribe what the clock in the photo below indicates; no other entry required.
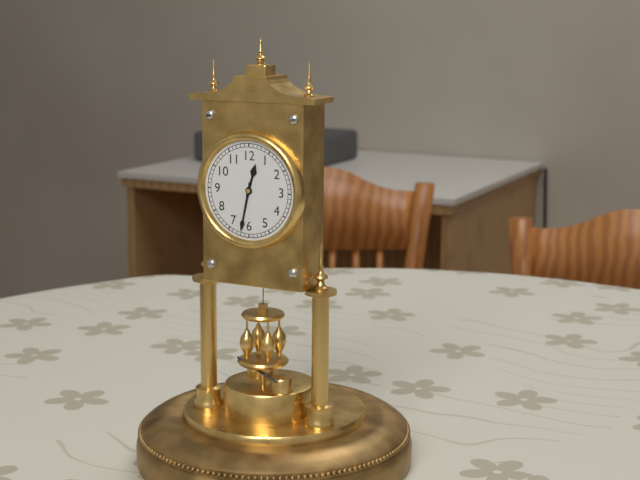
12:32
